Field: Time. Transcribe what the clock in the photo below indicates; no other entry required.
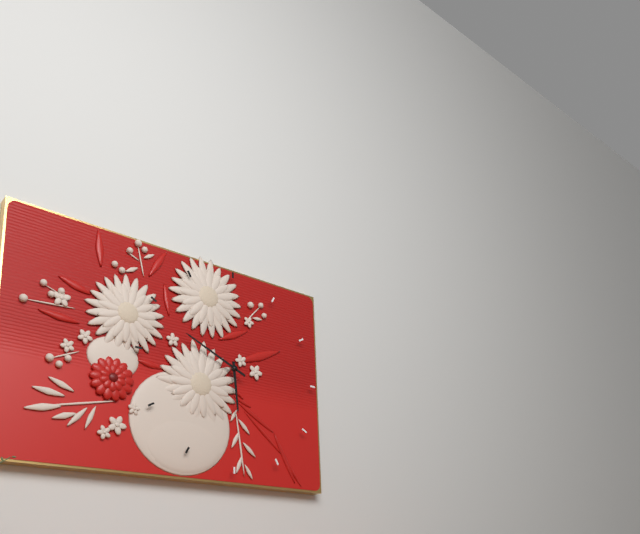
5:49
